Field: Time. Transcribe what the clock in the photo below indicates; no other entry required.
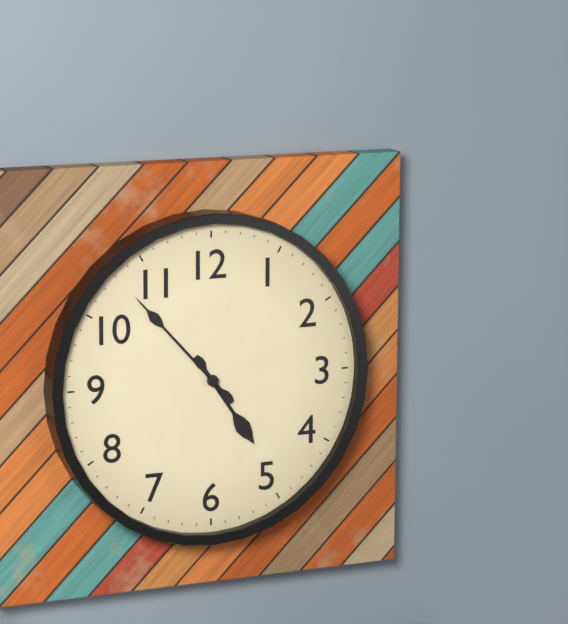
4:53
